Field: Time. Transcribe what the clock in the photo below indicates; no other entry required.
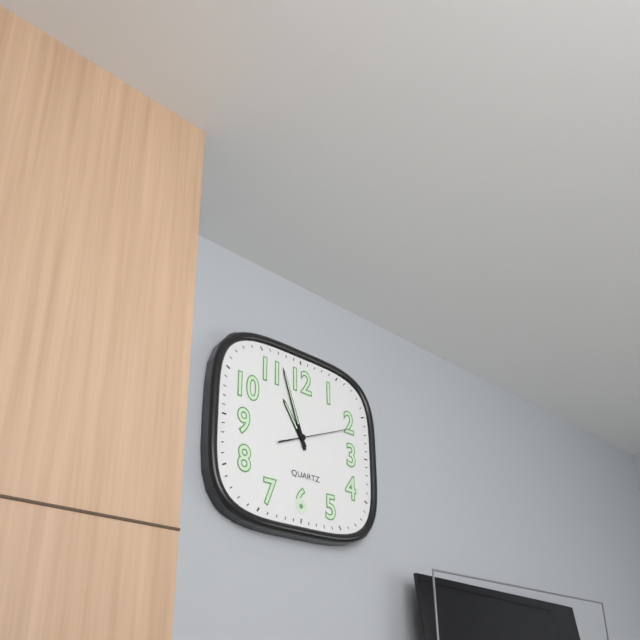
10:57:11
